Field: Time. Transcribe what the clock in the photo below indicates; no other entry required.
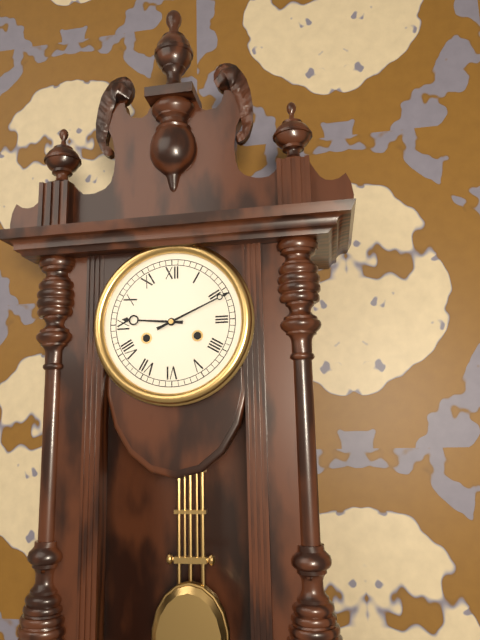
9:11
